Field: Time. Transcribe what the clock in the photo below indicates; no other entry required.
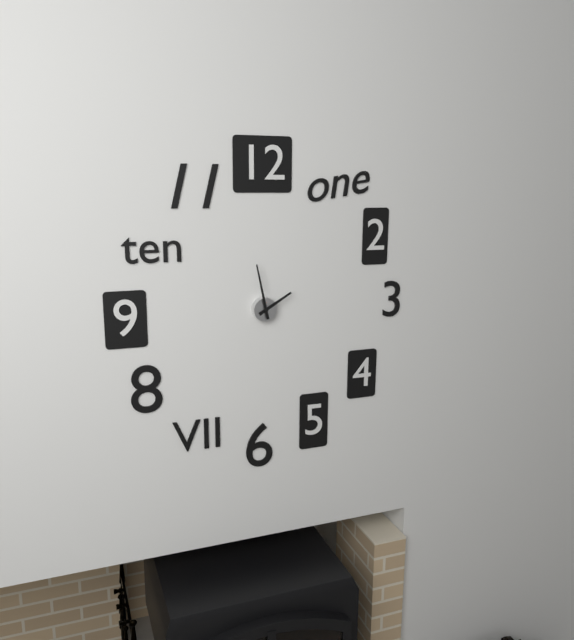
1:58
